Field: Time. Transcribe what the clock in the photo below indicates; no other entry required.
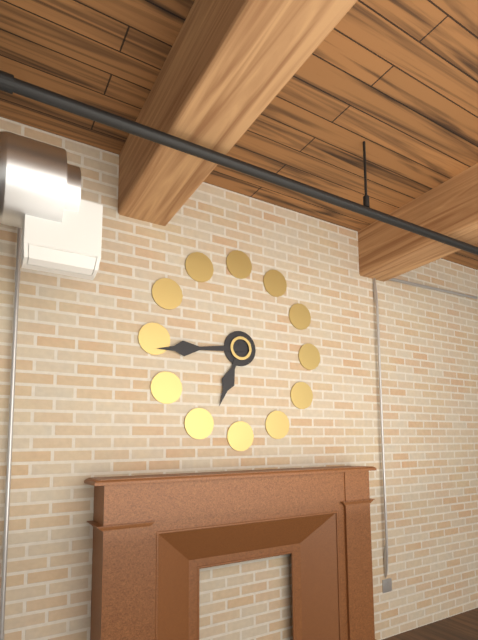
6:44
